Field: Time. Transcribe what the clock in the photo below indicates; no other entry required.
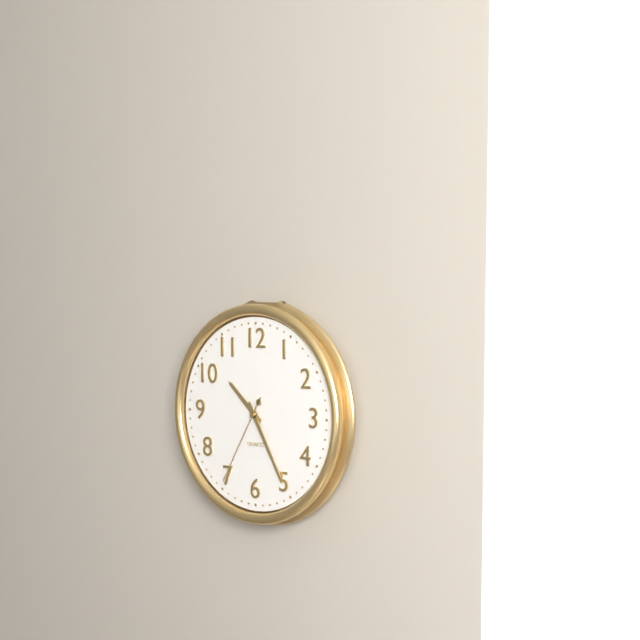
10:25:35
